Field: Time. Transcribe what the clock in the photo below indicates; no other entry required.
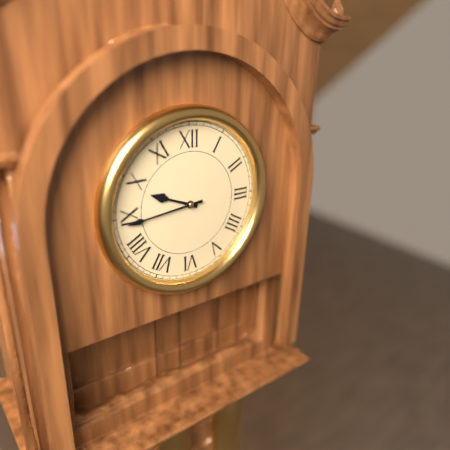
9:44
